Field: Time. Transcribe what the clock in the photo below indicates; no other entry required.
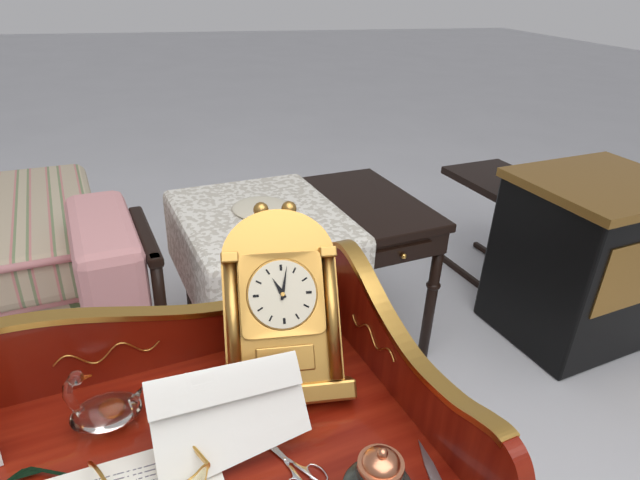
11:02
